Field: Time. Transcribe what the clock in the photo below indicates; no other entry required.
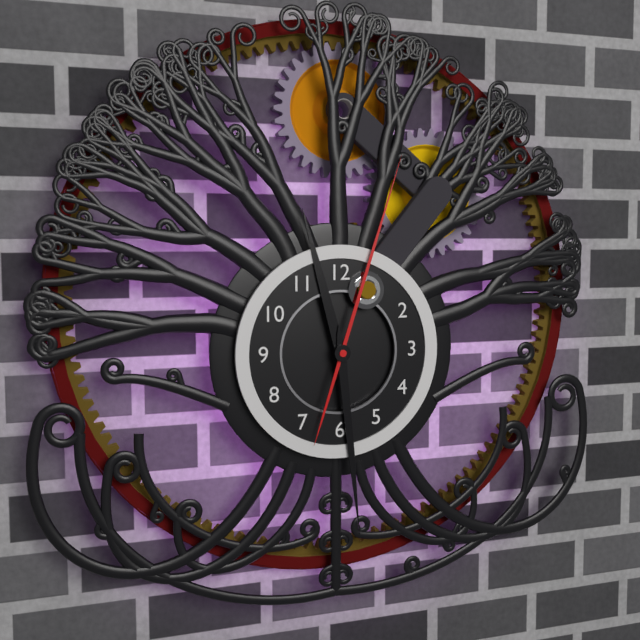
11:29:03
